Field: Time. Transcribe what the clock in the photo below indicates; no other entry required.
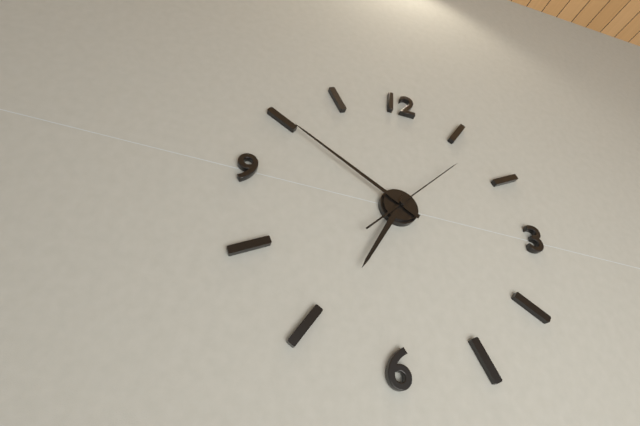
6:50:07
